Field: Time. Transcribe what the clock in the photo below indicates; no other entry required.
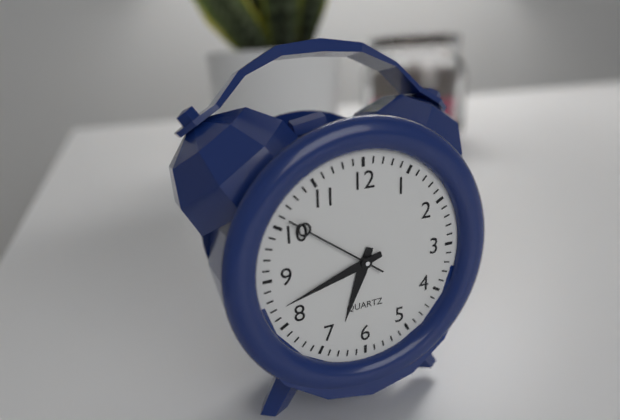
6:42:51
